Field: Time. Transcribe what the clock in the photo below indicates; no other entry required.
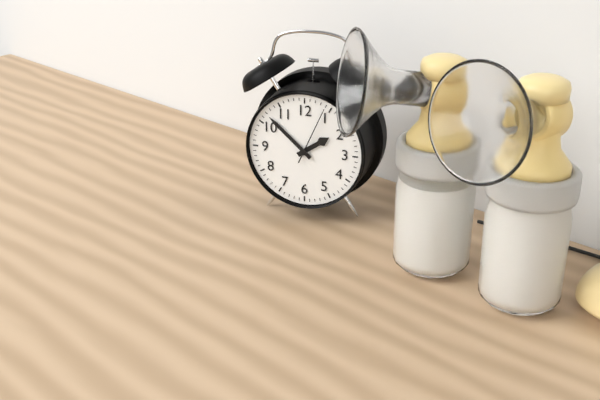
1:52:04
